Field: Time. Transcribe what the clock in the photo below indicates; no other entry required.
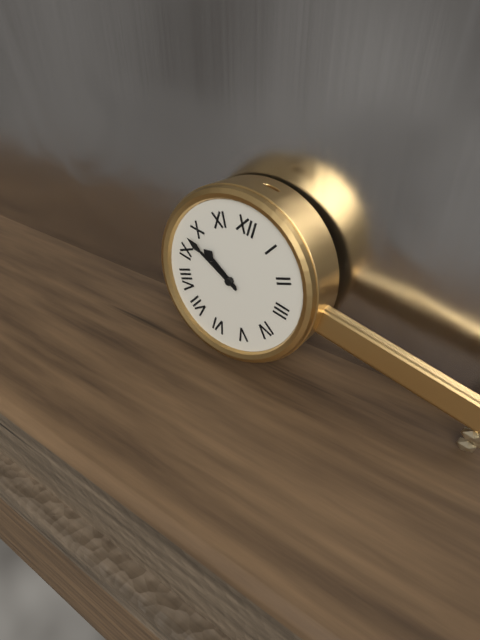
9:48
